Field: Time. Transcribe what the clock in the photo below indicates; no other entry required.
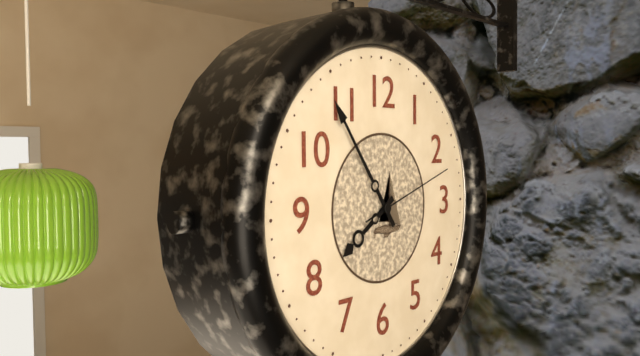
7:54:12
